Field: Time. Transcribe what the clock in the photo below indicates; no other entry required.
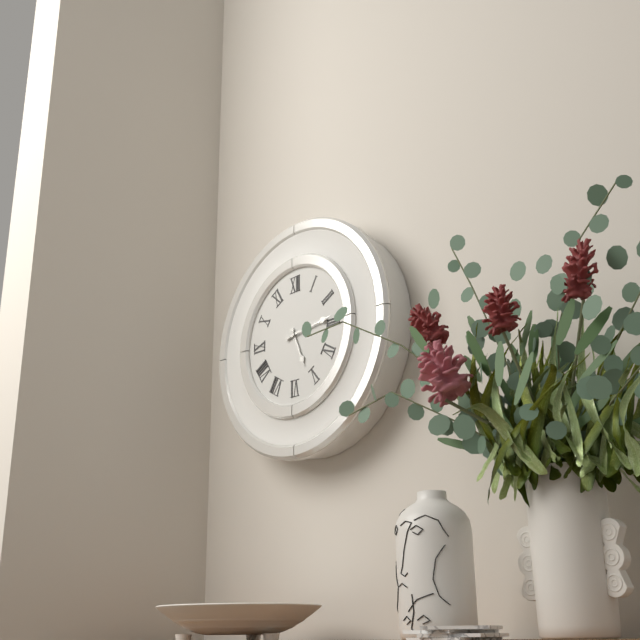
5:14
